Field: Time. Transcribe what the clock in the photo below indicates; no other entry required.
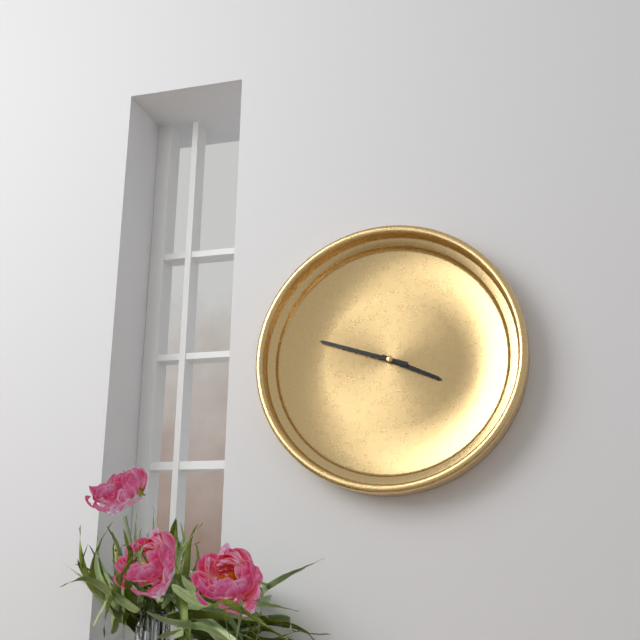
3:48
